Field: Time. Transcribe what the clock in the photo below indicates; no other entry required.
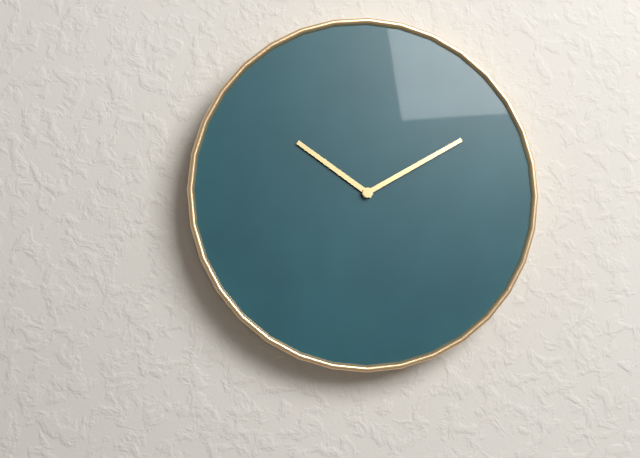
10:10
